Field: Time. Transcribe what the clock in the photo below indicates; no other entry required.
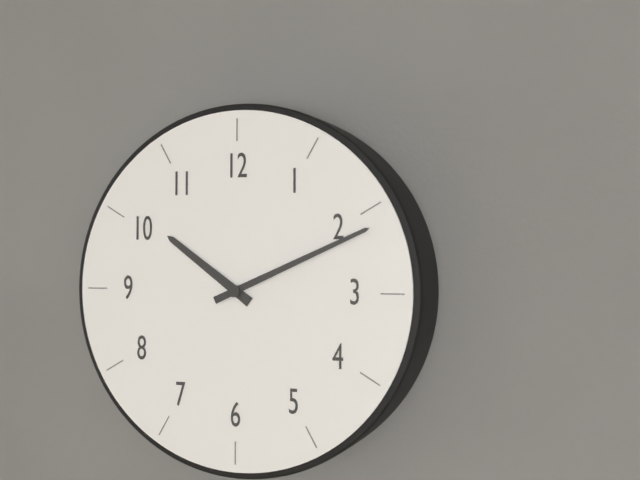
10:11
